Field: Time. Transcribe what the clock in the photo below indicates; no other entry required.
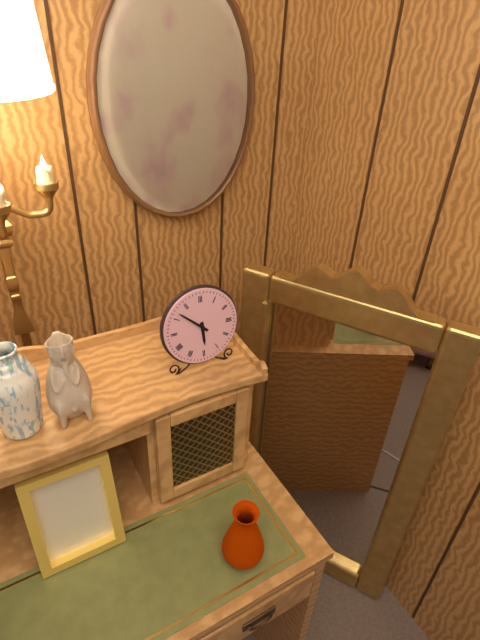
5:52
